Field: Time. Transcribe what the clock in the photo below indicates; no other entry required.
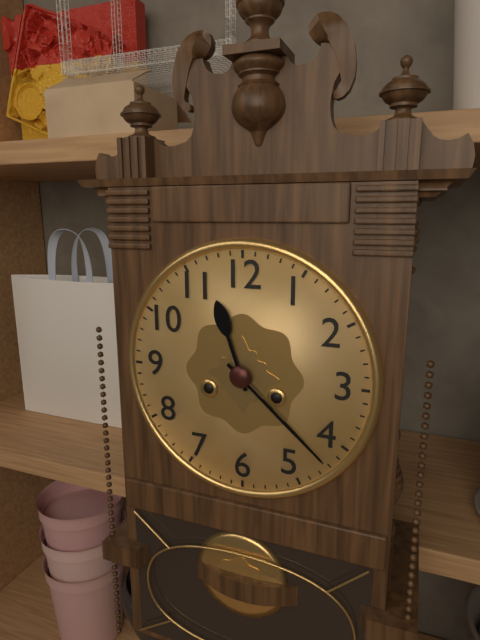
11:22
